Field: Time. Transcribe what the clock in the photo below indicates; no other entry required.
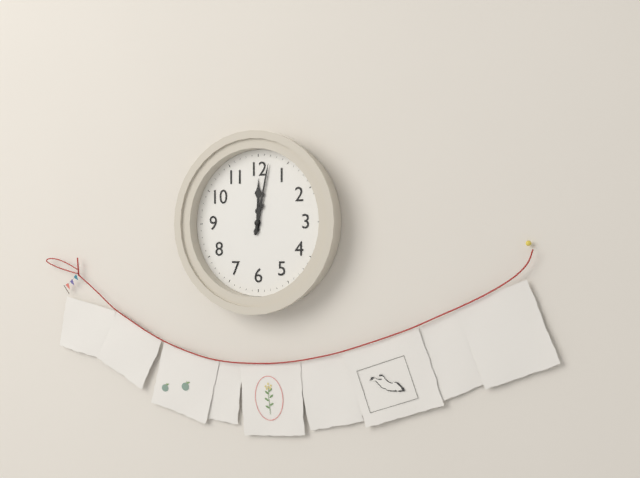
12:02
